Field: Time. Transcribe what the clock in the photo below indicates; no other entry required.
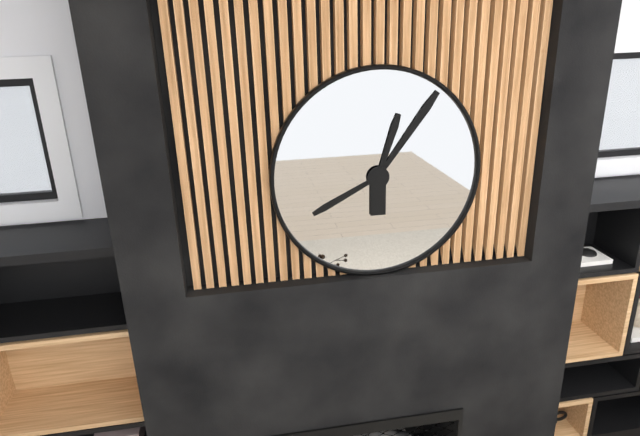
8:06:03
